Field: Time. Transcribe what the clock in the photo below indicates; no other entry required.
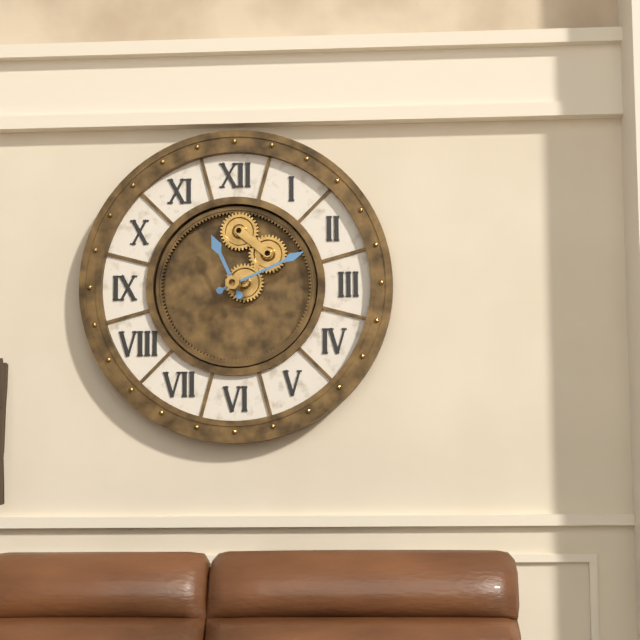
11:11
